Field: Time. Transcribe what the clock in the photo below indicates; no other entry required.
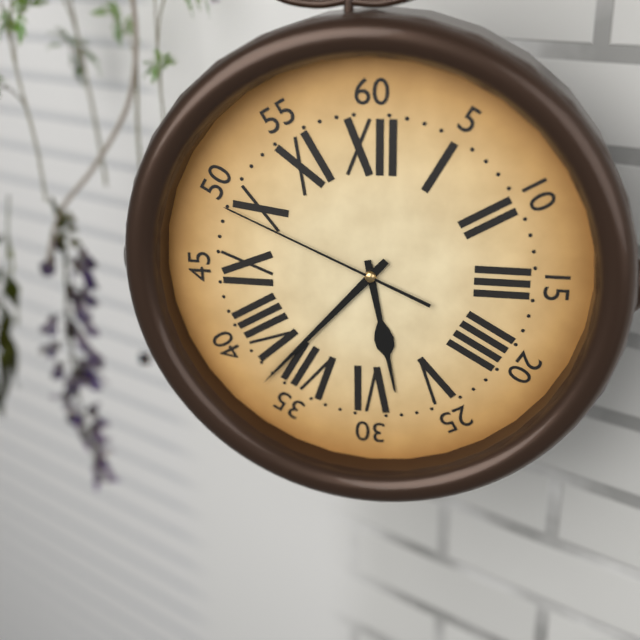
5:37:49
